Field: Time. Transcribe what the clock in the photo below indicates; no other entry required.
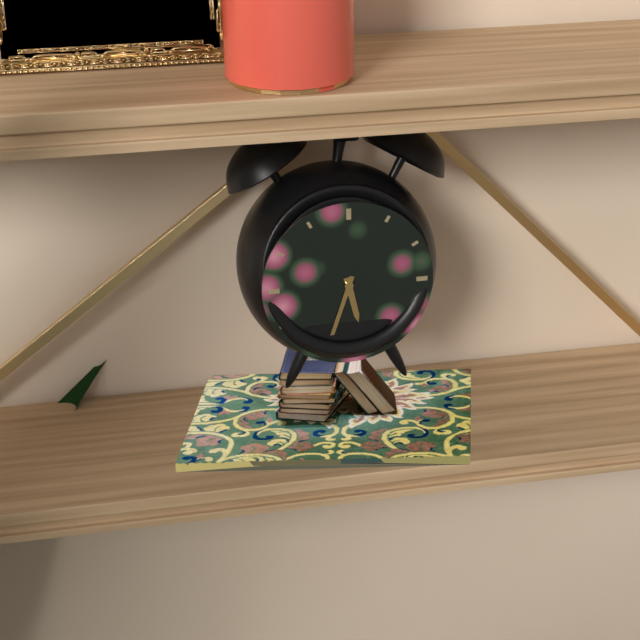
5:33
